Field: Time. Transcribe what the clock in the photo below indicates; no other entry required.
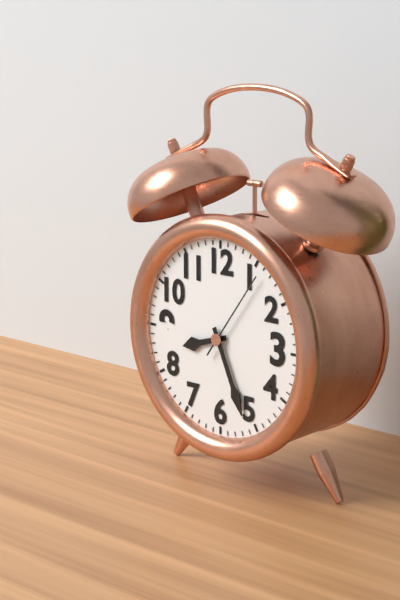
8:26:06
